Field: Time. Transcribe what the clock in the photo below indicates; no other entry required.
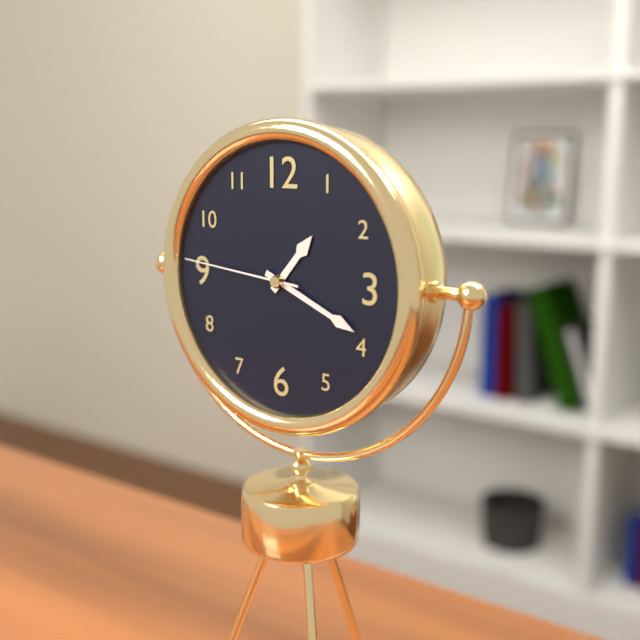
1:19:46
